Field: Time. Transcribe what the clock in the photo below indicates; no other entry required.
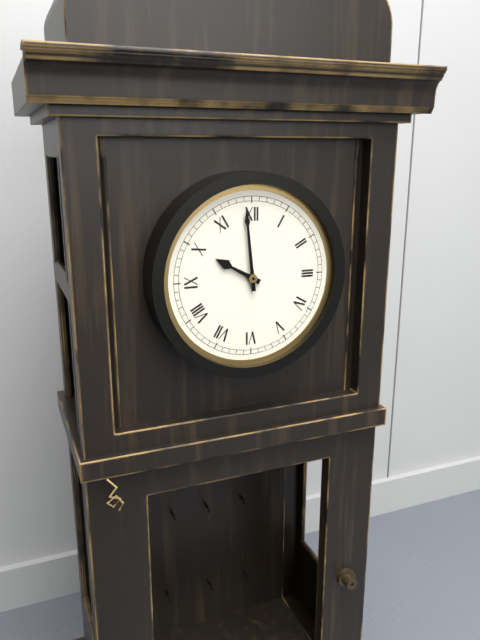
9:59
